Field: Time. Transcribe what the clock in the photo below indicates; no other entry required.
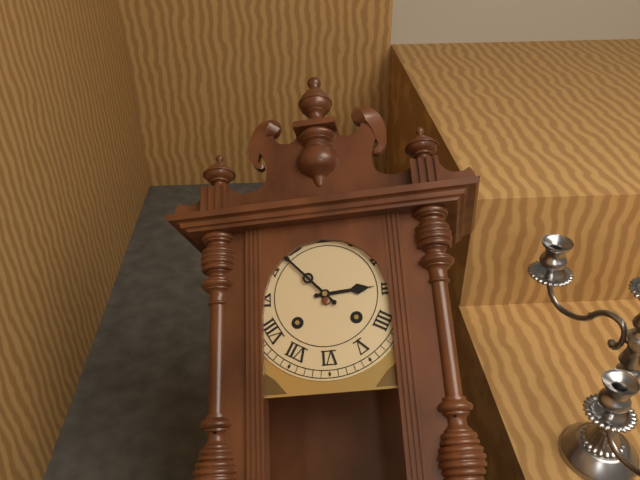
2:53
